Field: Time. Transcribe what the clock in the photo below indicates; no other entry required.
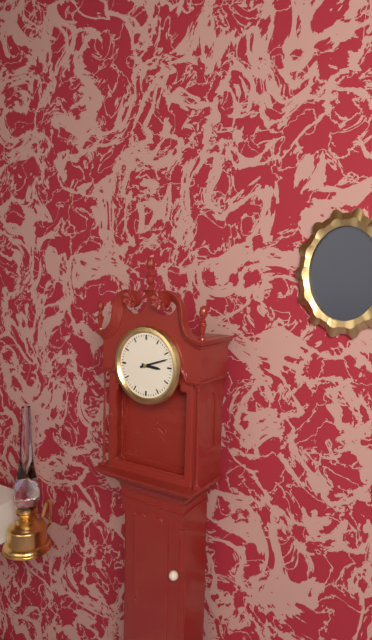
3:12
